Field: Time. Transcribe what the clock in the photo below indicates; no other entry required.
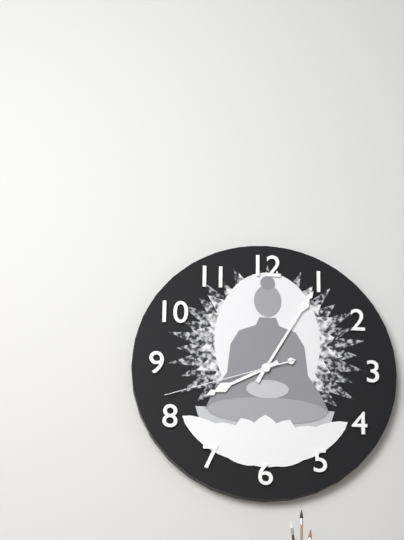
8:05:42
